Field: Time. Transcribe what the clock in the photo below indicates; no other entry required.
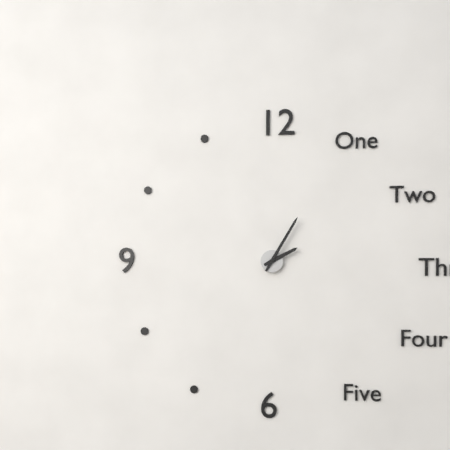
2:05
